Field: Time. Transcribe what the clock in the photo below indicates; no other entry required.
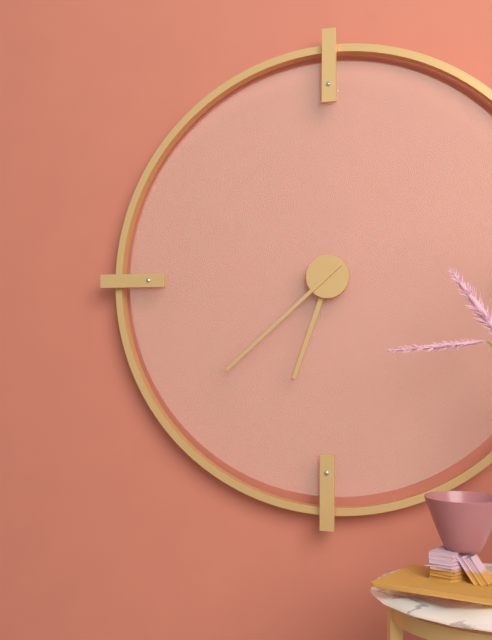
6:38
